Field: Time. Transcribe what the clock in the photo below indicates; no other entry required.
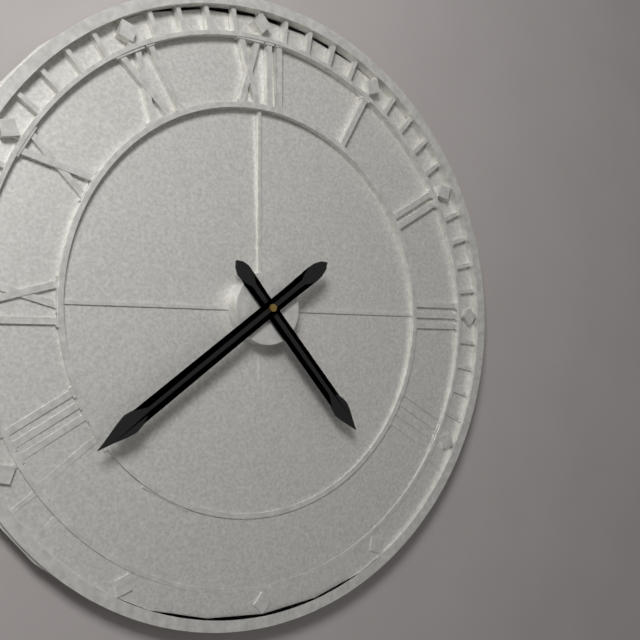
4:39
